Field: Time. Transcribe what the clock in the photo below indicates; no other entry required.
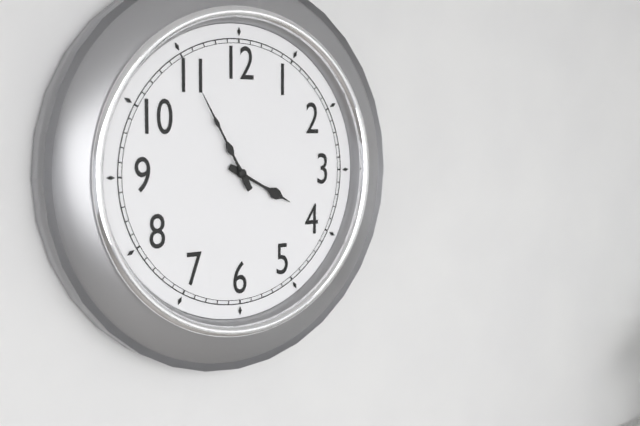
3:55
